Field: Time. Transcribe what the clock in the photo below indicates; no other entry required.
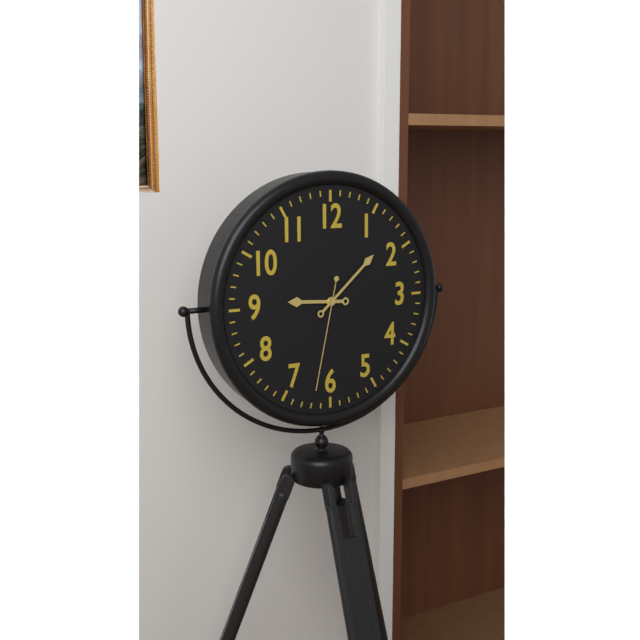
9:08:32
